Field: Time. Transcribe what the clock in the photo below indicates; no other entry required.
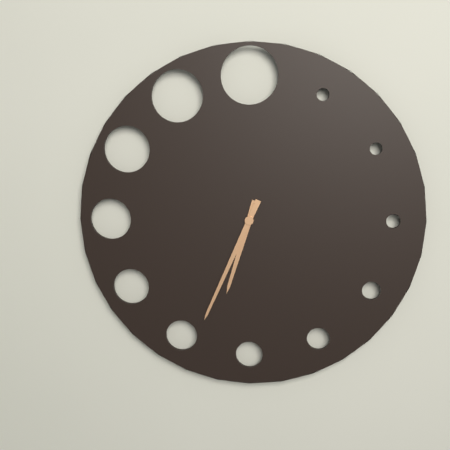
6:34
